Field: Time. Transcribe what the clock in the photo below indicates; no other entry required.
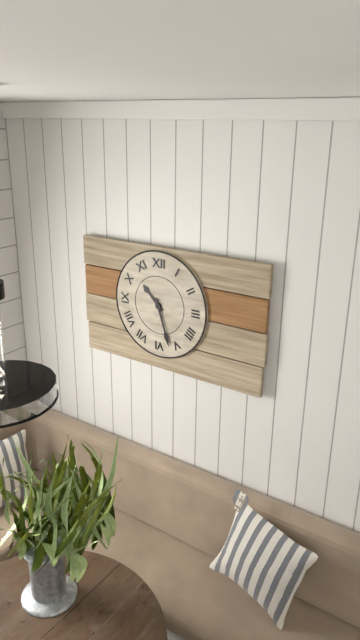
10:27
